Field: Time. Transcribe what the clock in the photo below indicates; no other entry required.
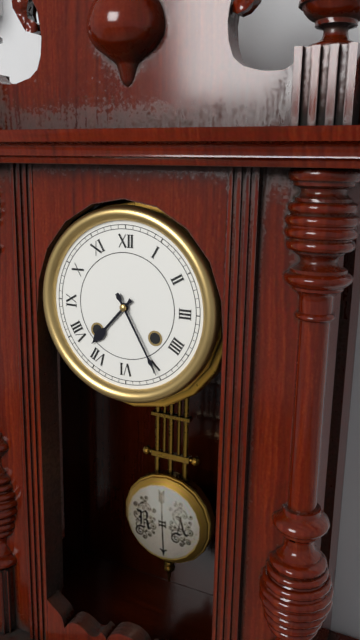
7:25
